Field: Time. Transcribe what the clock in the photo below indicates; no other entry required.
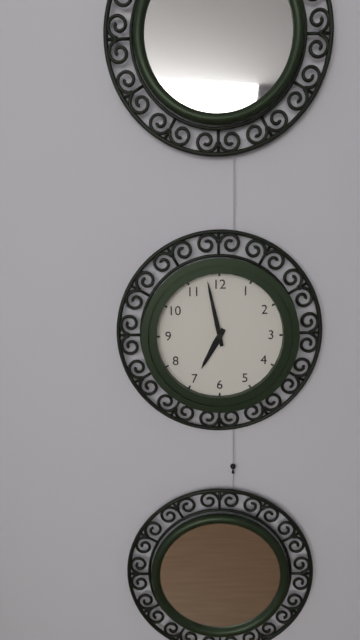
6:58
